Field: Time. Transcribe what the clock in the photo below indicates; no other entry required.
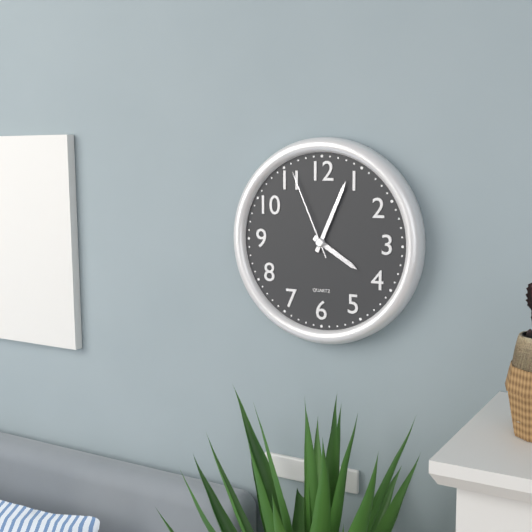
4:04:56
